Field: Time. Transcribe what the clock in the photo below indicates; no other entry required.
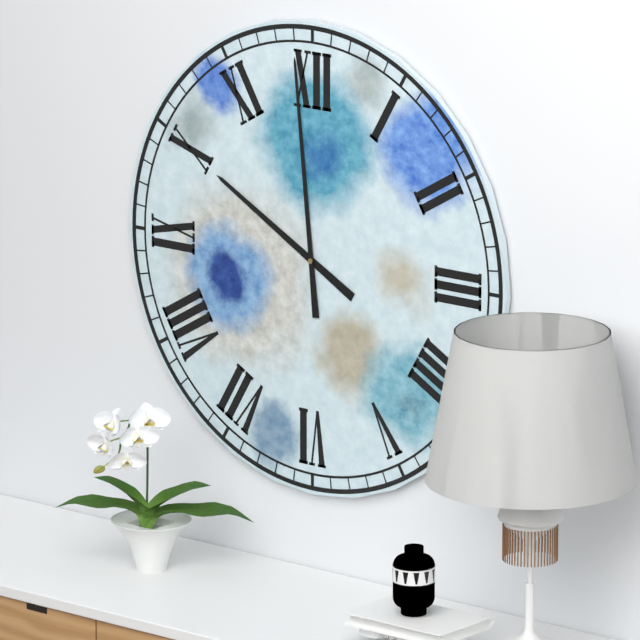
9:59
